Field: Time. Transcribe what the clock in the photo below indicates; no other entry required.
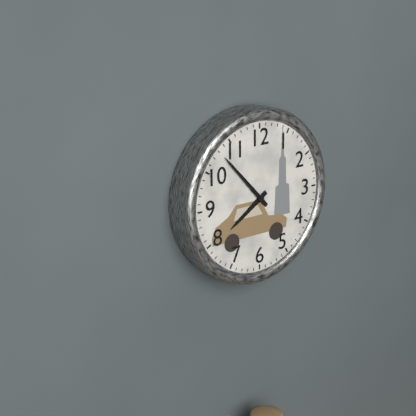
7:53
